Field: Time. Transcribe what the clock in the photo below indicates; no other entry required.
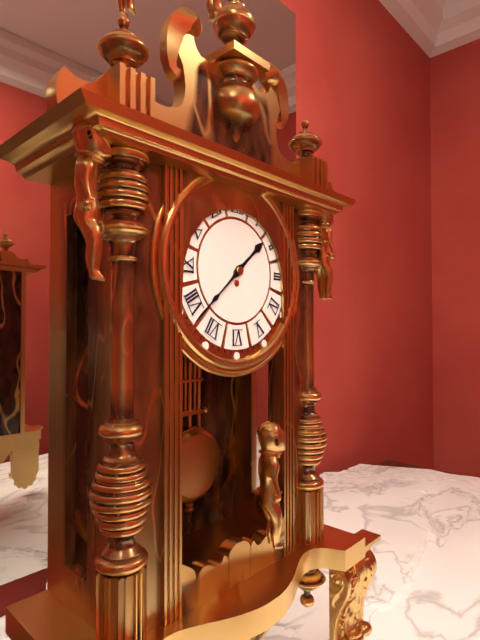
1:38
